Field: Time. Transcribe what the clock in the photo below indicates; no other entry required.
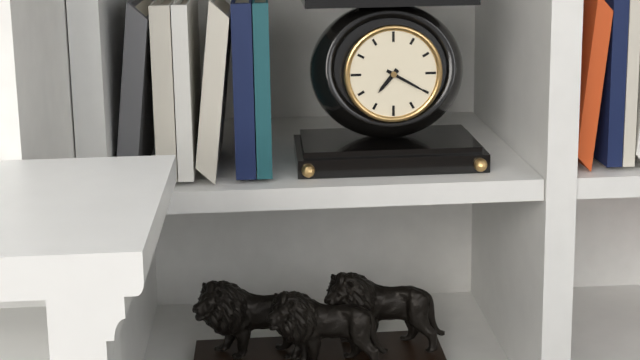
7:20
